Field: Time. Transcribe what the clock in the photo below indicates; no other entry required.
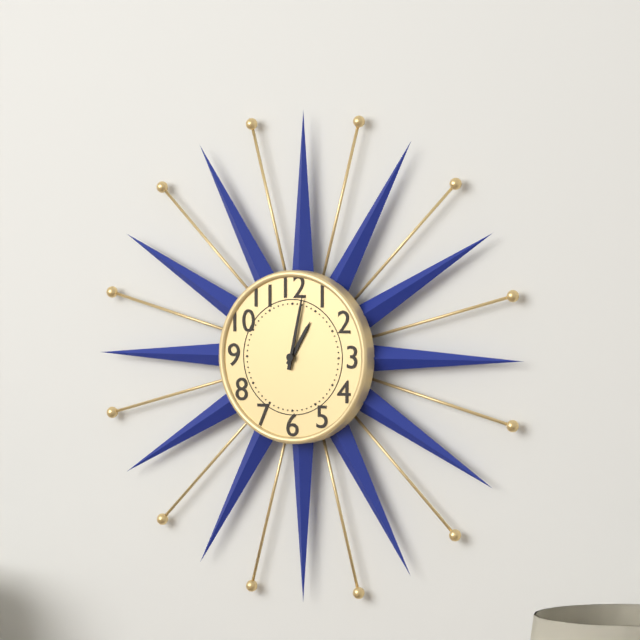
1:02
